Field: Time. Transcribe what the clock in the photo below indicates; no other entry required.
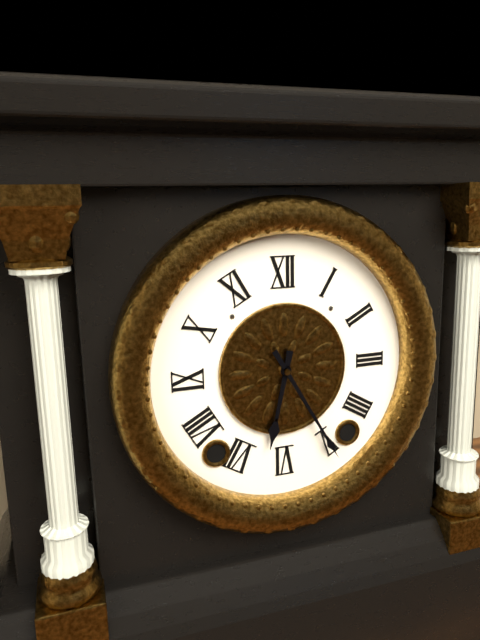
6:25
